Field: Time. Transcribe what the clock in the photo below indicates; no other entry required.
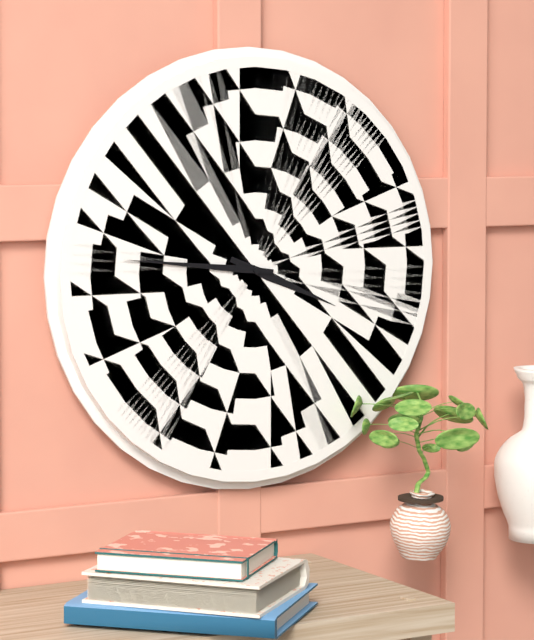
3:46
